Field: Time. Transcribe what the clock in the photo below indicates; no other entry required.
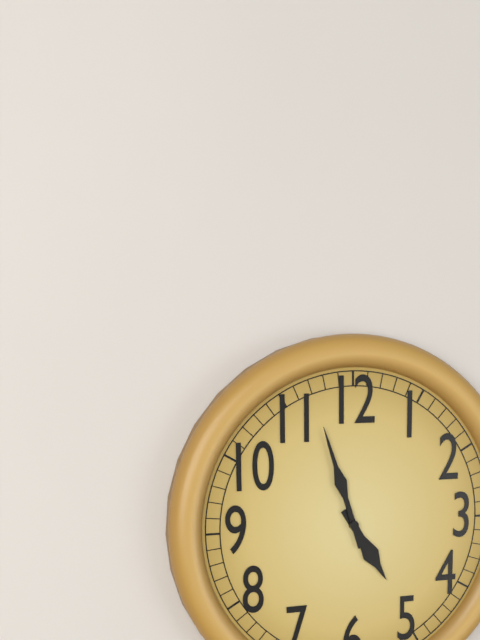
4:57
